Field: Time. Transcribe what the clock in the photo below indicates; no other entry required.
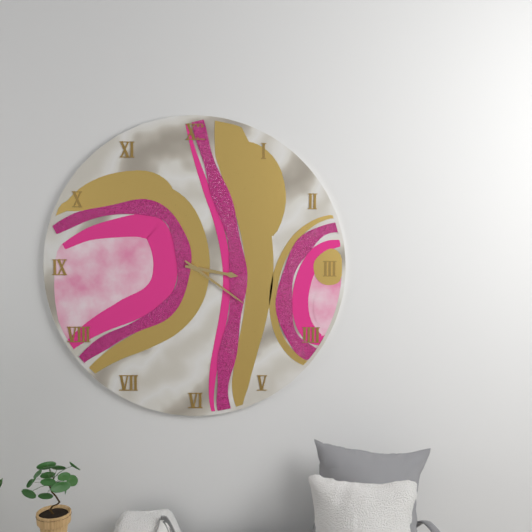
3:21
